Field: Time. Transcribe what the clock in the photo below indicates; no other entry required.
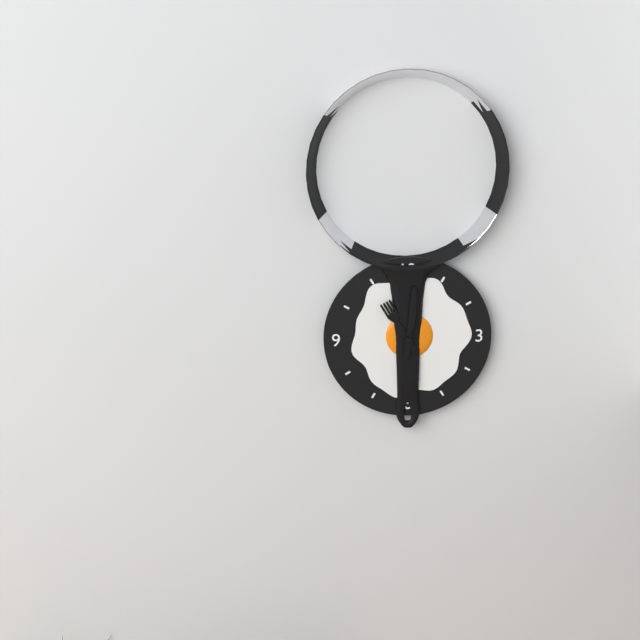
11:01
